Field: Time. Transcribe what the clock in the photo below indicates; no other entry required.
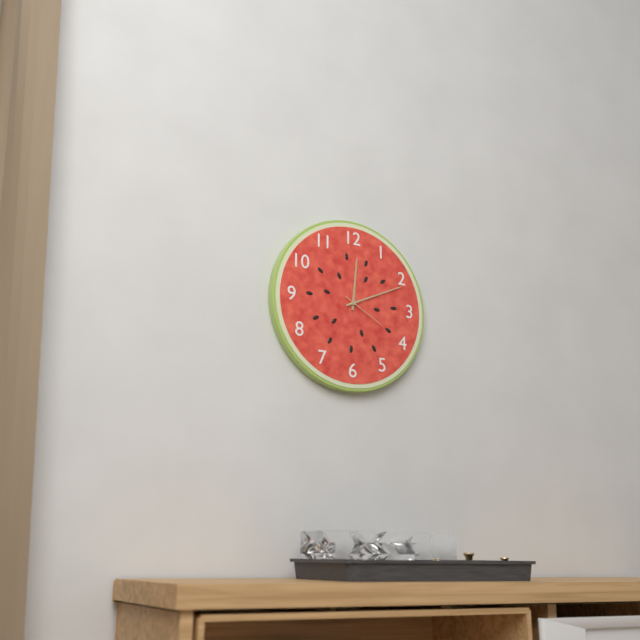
12:11
